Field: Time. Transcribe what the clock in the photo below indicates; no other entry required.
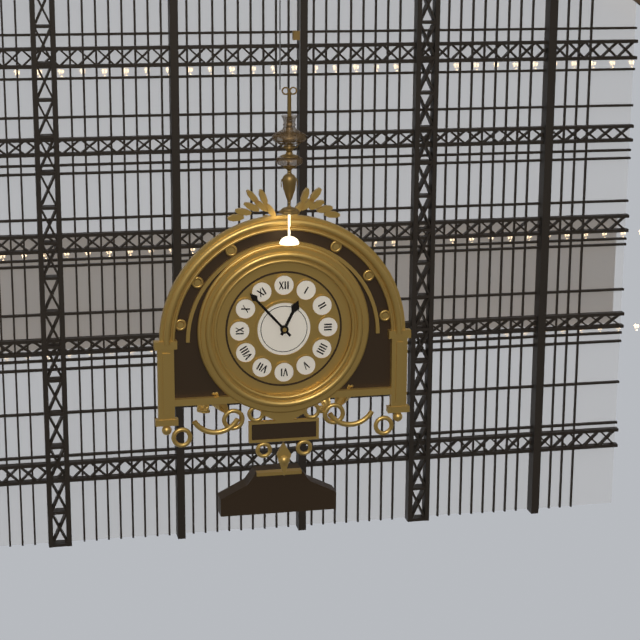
12:53
